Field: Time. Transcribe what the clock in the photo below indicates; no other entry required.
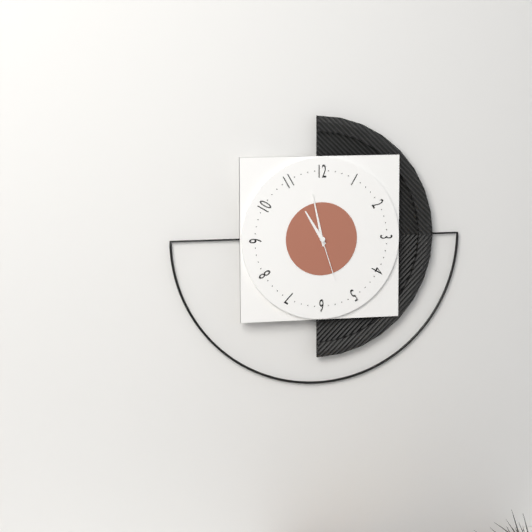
10:58:27
